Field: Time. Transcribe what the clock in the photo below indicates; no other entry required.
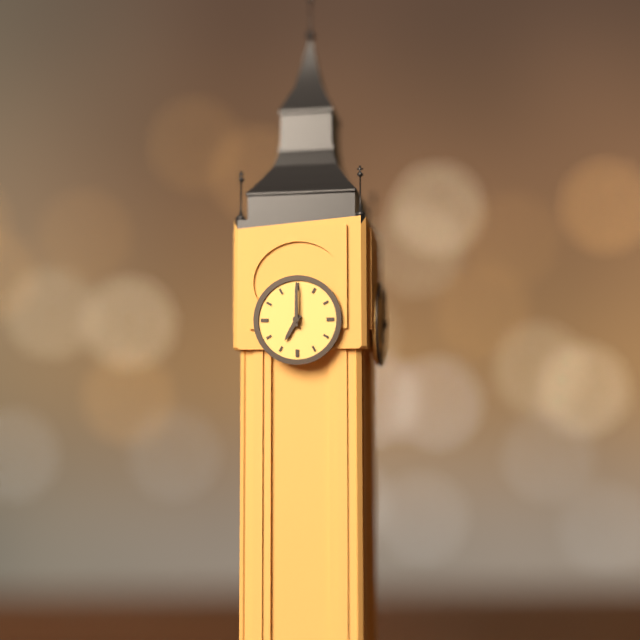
7:00
